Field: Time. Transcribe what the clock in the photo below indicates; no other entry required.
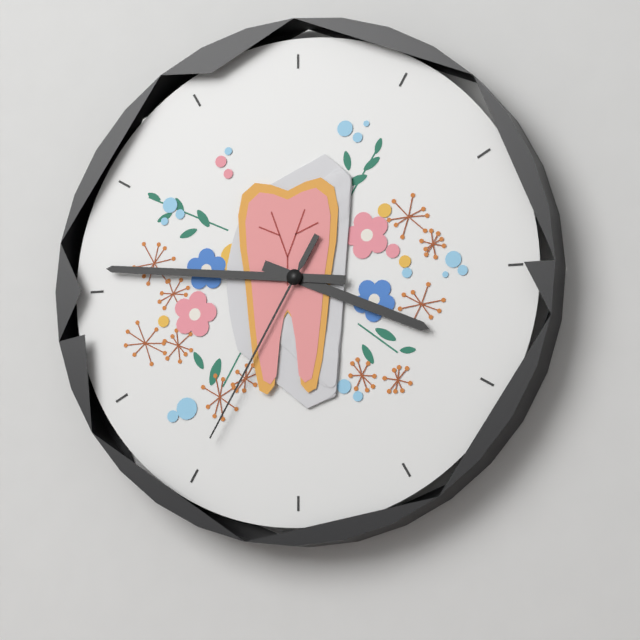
3:46:35
